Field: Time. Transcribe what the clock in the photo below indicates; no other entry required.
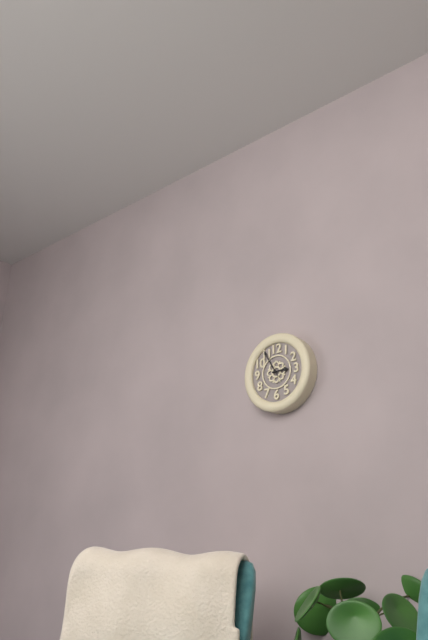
2:55
